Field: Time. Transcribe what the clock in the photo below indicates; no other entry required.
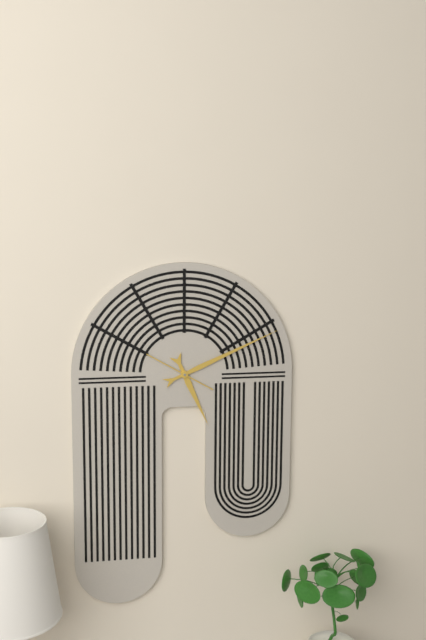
5:11:50
